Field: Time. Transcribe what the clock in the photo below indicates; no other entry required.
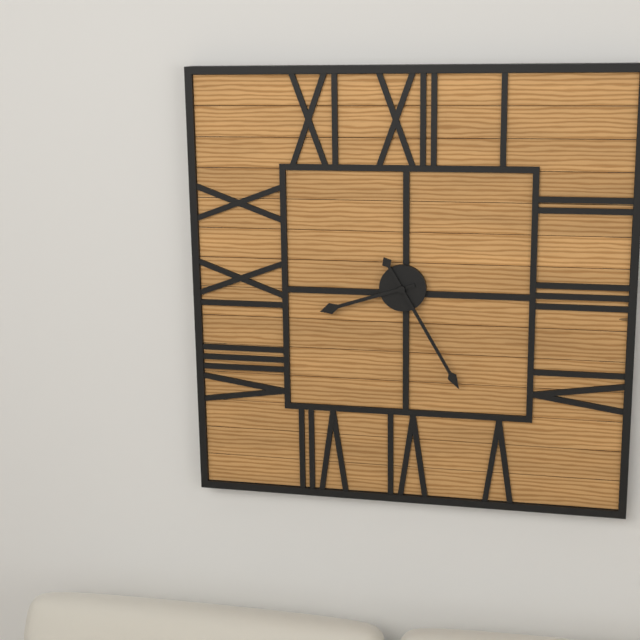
8:25
